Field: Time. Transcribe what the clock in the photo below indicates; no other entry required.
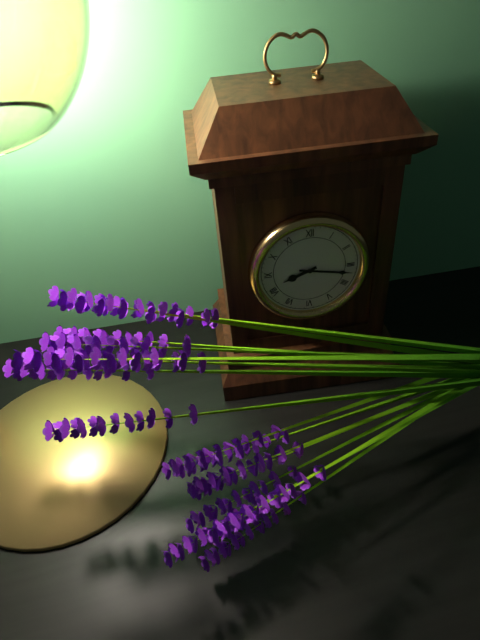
8:17
